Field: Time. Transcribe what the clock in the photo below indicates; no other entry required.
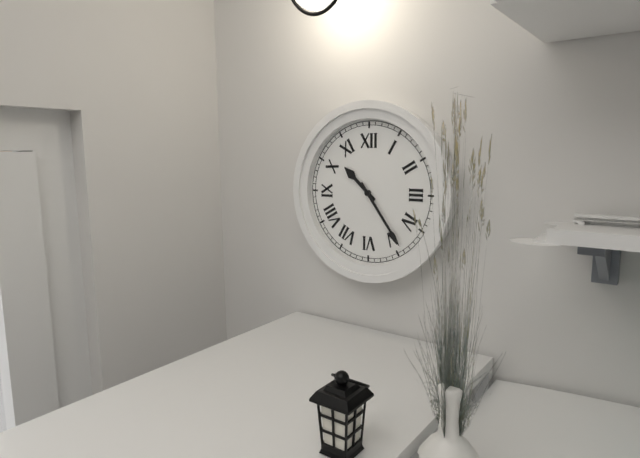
10:24
